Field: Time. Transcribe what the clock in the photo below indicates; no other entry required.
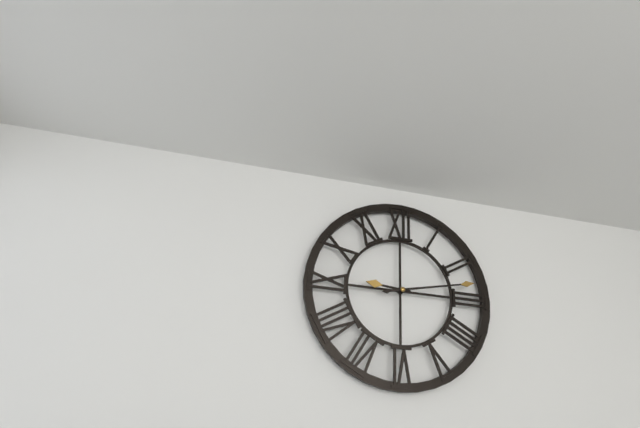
9:13
